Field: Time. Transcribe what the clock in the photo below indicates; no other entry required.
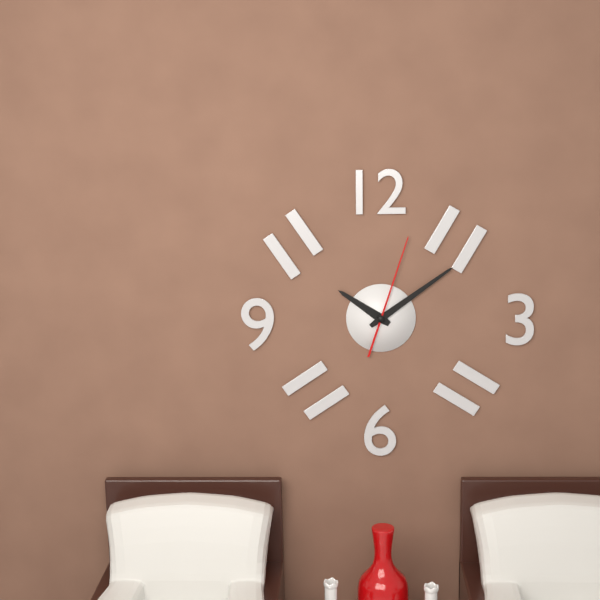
10:09:03
